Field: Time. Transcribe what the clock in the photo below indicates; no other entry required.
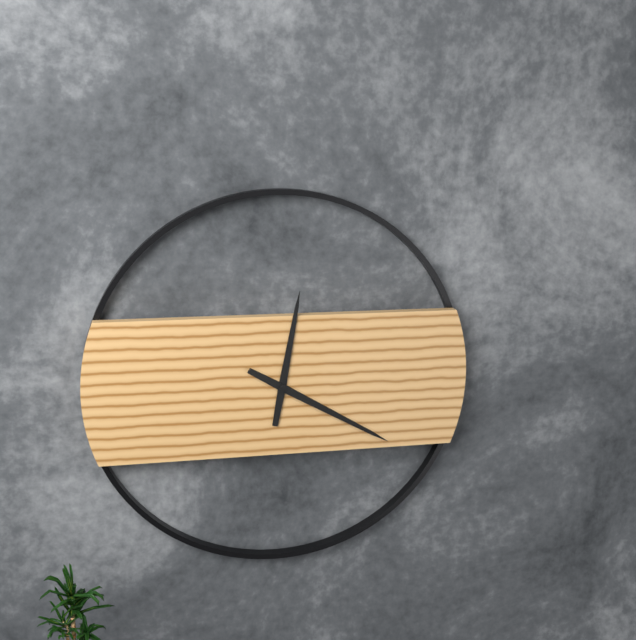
12:20
